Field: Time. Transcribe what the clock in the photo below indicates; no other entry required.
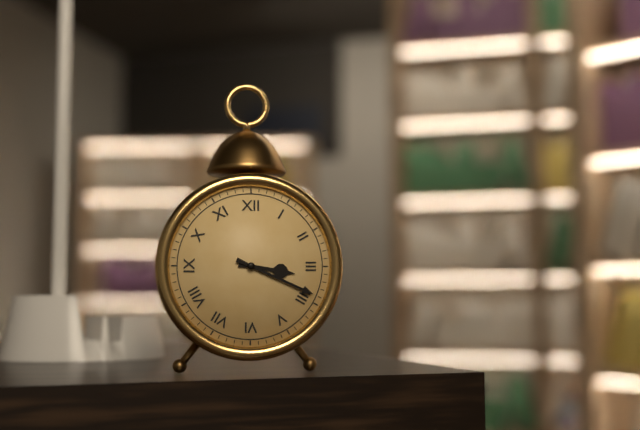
3:19
